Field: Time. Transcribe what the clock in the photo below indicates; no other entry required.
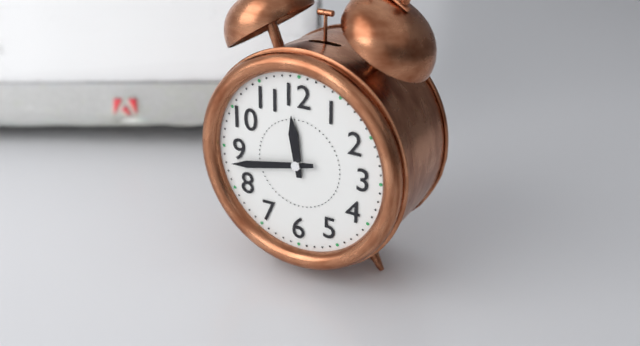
11:43
